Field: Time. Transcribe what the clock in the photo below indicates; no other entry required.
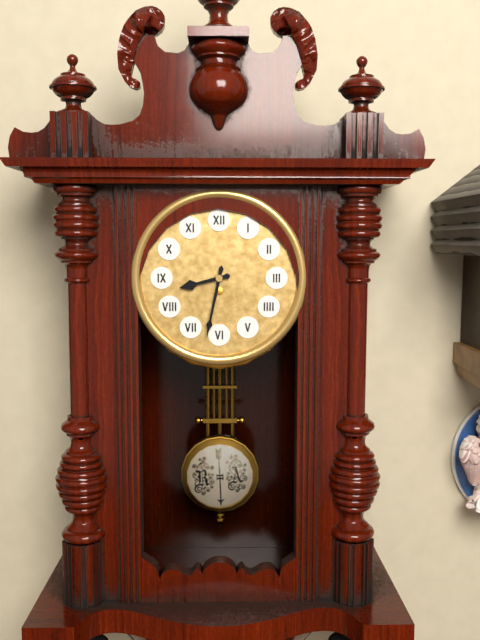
8:32
